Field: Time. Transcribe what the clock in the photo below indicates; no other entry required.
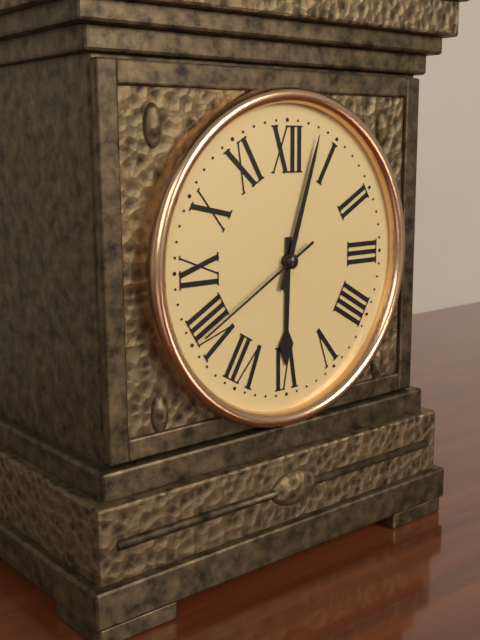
6:03:40
